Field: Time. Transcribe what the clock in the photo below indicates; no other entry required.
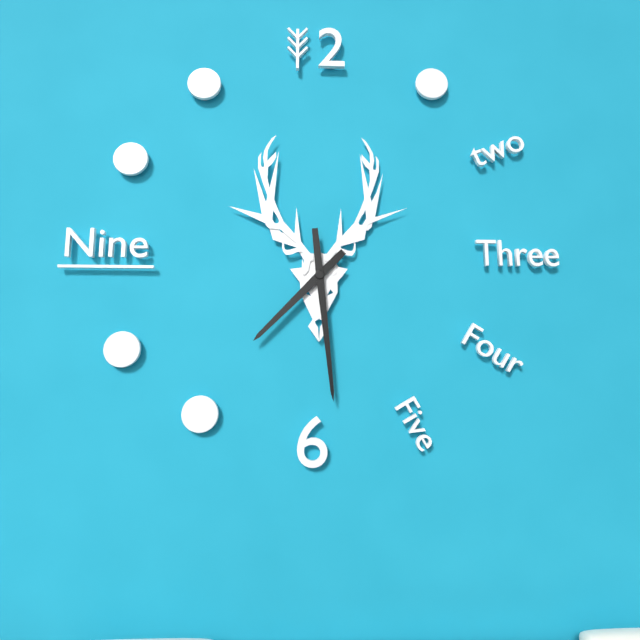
7:29
